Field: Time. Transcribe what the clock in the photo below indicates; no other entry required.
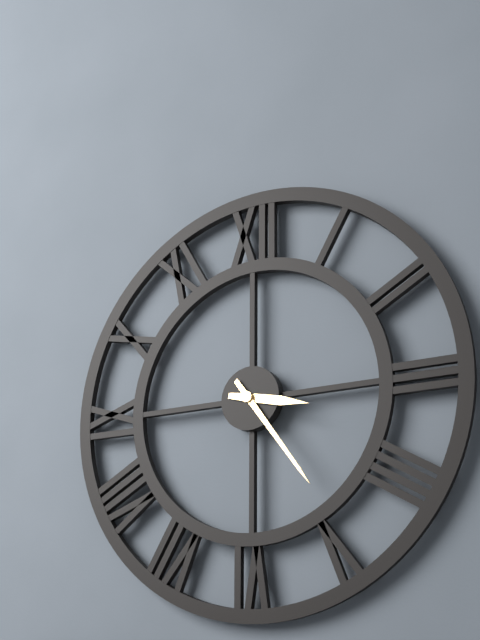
3:24
